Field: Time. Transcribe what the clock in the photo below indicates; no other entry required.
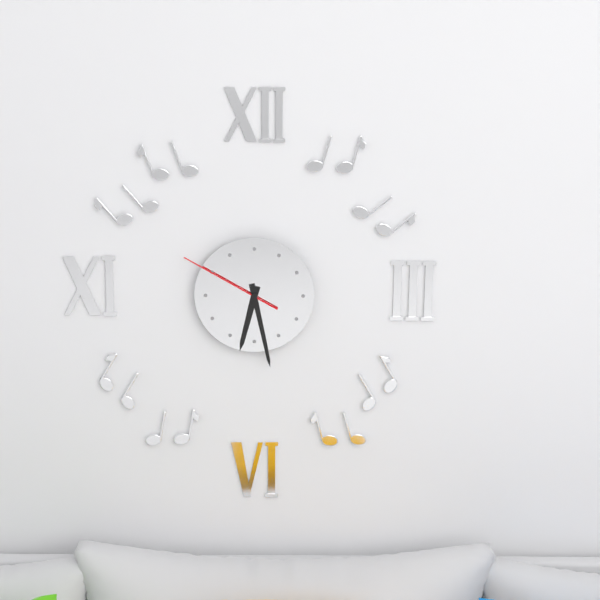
6:28:50
